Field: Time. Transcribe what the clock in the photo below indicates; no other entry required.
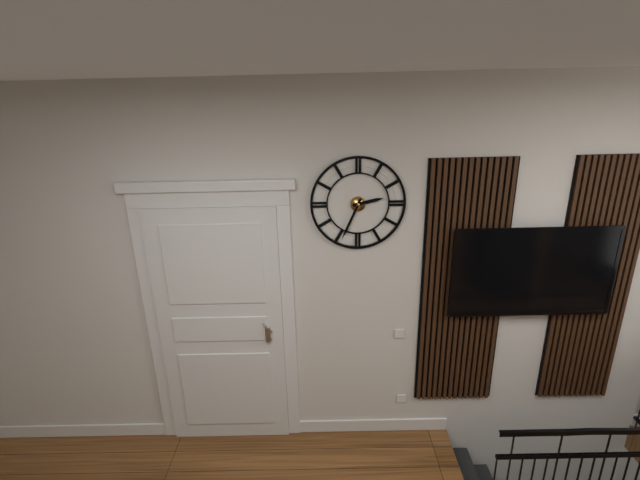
2:34
